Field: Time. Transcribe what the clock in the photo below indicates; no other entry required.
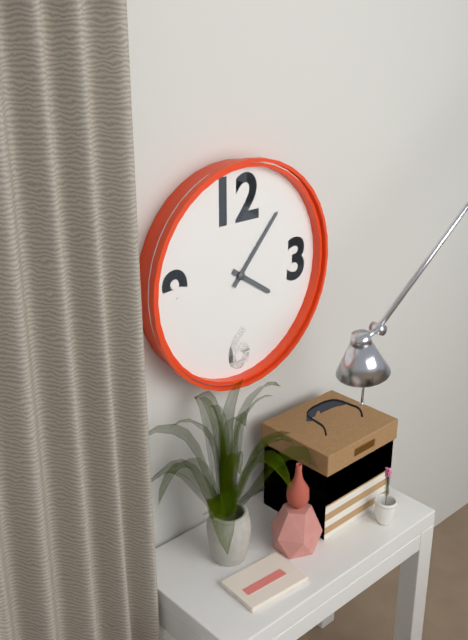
4:07
